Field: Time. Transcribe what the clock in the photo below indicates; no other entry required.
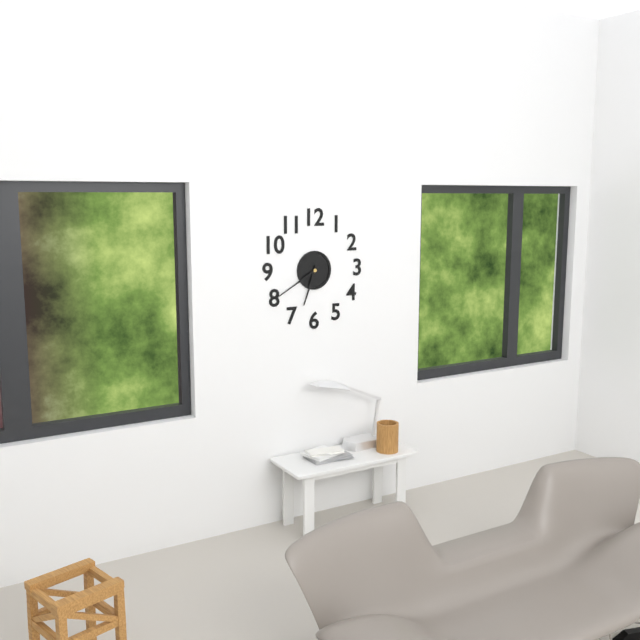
6:40
